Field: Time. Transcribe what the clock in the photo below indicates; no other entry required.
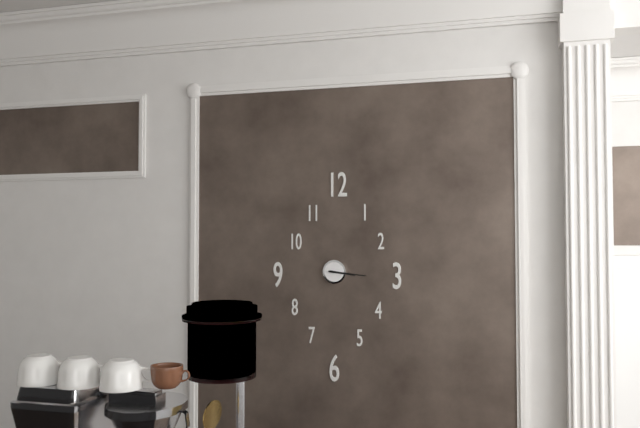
3:16
